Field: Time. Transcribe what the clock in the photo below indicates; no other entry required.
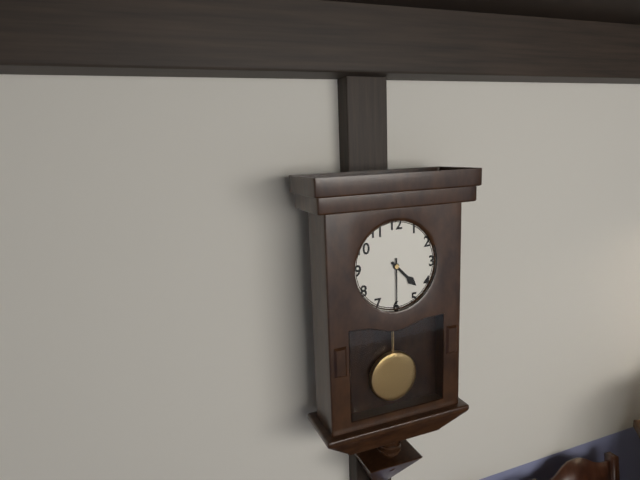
4:30
